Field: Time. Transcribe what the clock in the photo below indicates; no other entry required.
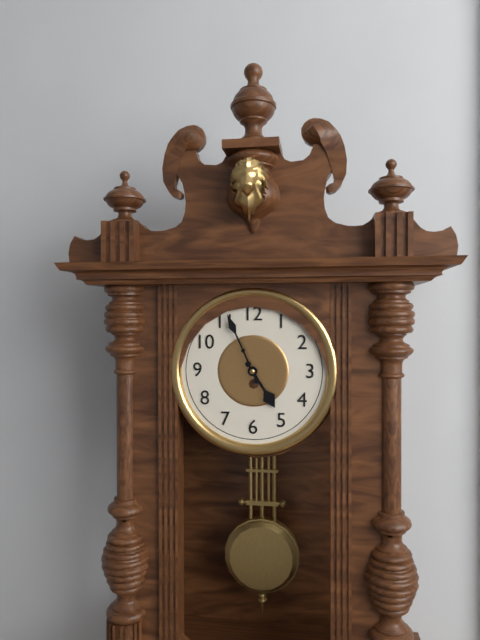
4:56
